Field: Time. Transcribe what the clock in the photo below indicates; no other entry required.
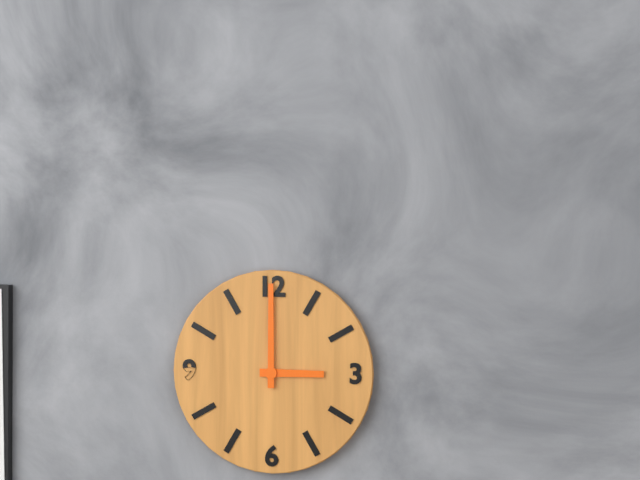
3:00
